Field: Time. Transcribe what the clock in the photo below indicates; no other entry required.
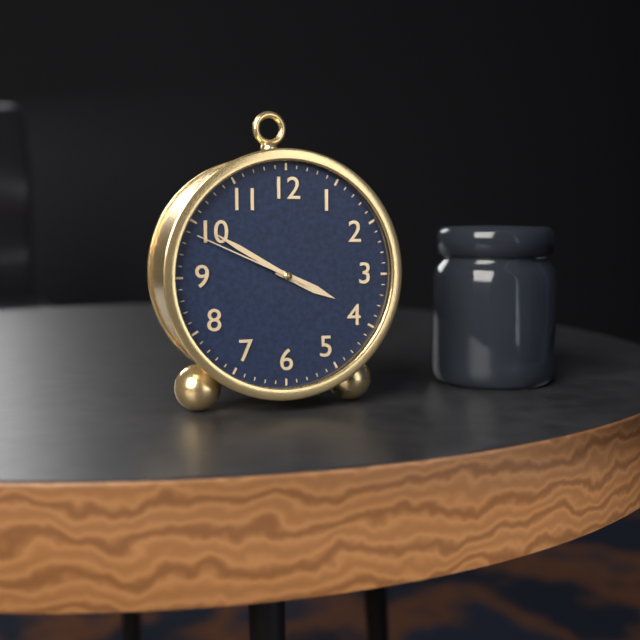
3:50:49
